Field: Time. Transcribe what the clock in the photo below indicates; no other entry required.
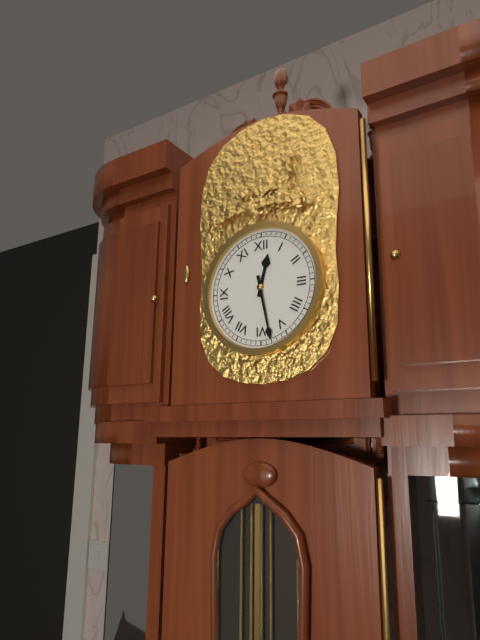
12:28
